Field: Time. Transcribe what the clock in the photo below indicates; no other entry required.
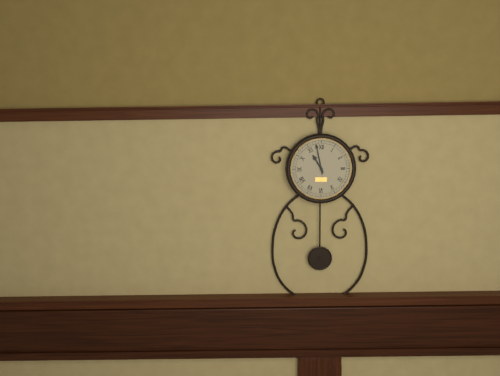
10:58
